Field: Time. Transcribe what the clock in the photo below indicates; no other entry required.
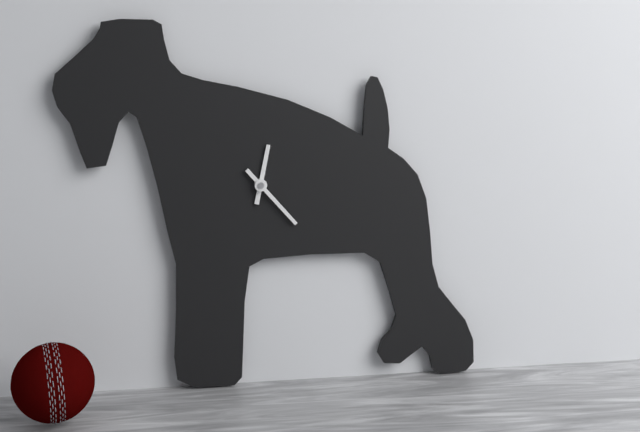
12:23
